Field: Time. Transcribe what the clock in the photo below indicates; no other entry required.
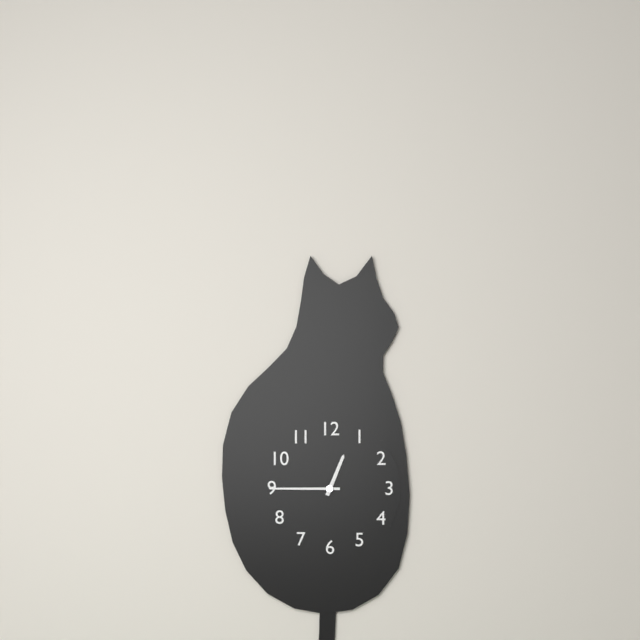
12:45
